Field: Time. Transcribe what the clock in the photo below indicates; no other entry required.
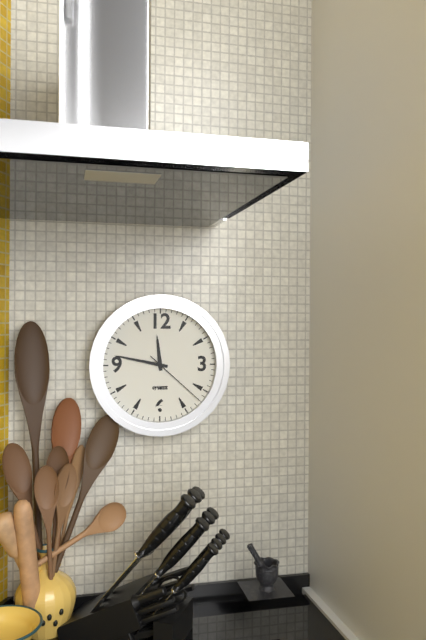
11:47:22
